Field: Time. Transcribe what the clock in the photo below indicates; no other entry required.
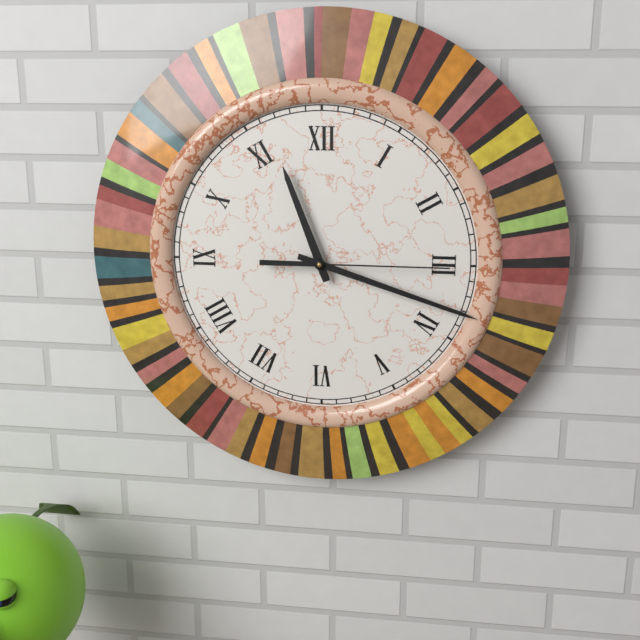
11:18:15
